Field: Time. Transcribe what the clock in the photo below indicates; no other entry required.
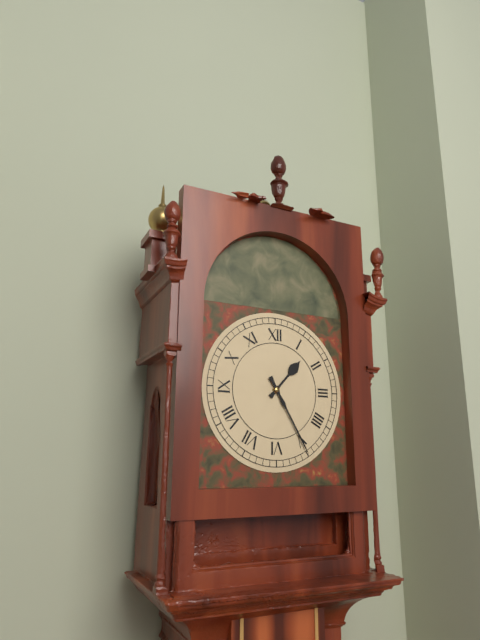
1:25
